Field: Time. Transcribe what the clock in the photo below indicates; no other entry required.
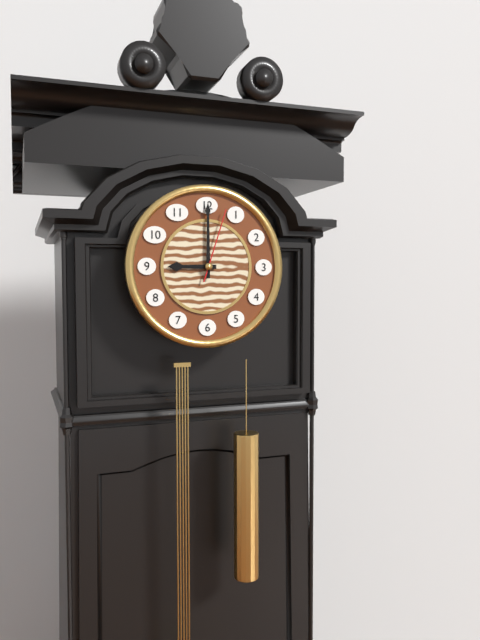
9:00:03
